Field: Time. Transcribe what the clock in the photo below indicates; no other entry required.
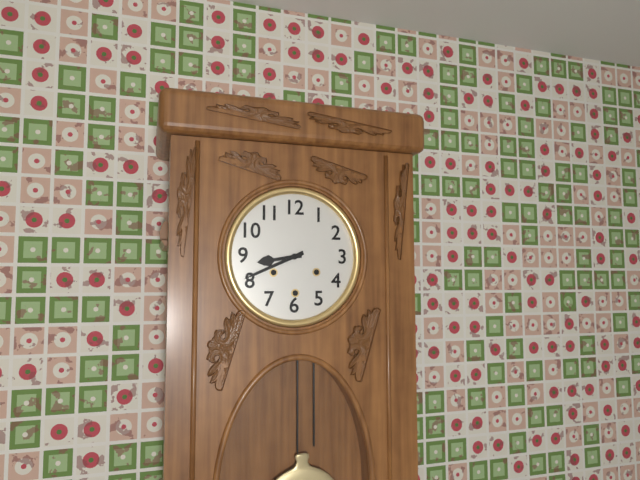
8:41
